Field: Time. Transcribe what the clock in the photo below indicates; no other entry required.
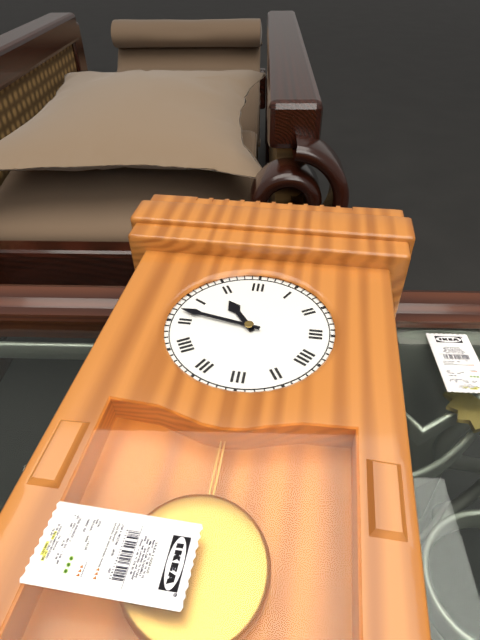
10:47
